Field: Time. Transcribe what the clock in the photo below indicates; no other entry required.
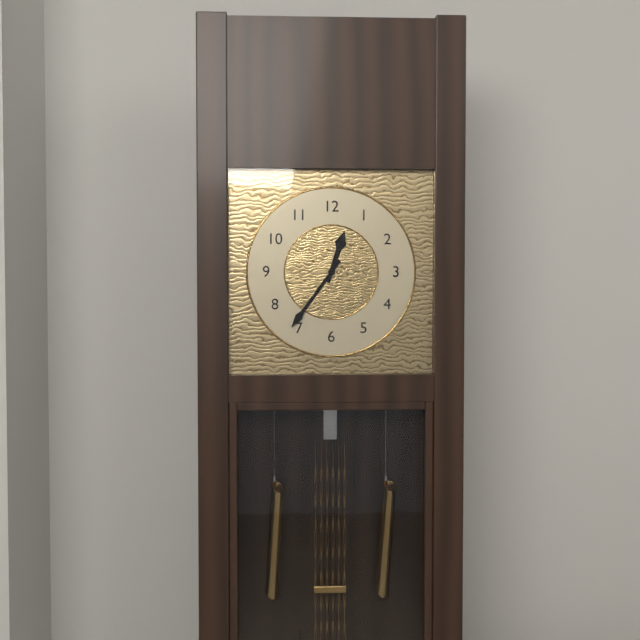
12:36
